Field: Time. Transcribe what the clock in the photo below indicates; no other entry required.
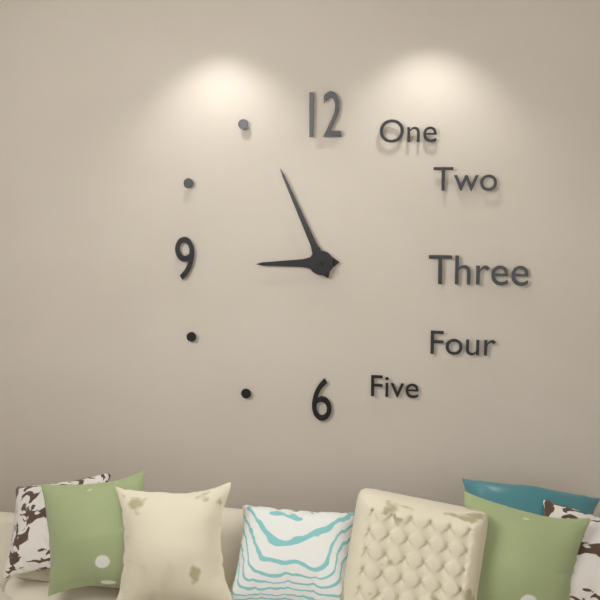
8:56
